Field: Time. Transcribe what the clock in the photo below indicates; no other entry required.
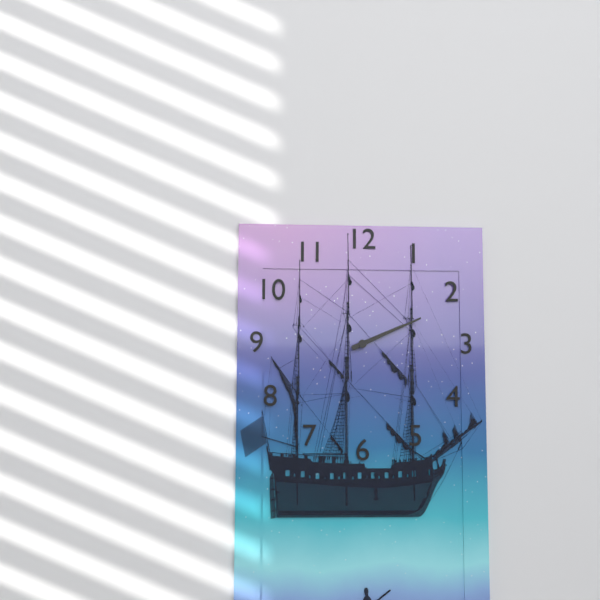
2:11
